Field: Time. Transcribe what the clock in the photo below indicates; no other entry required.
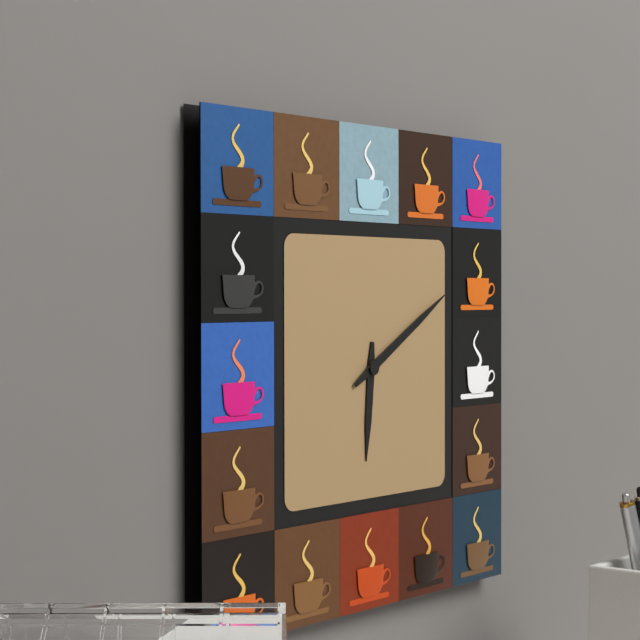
6:10
